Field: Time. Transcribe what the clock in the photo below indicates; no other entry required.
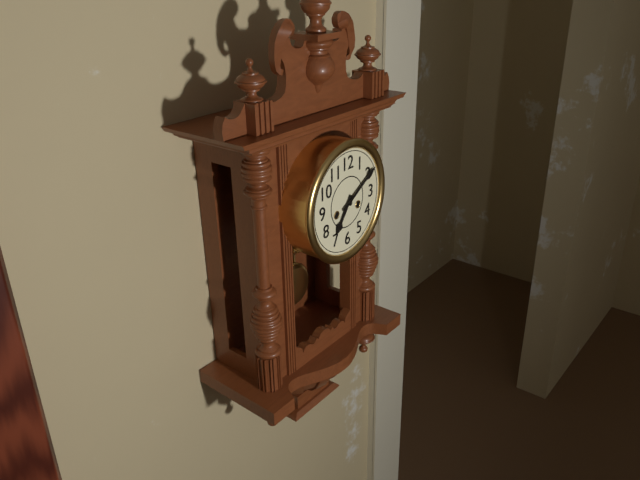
7:10
